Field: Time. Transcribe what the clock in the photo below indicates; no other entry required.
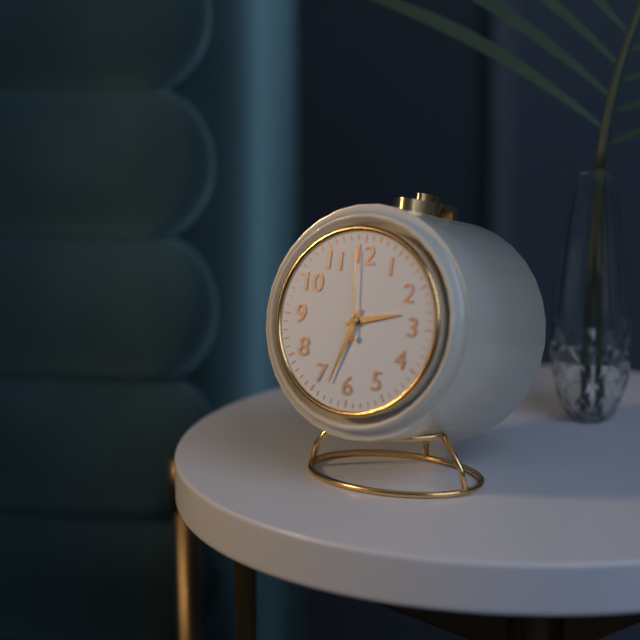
2:33:59
